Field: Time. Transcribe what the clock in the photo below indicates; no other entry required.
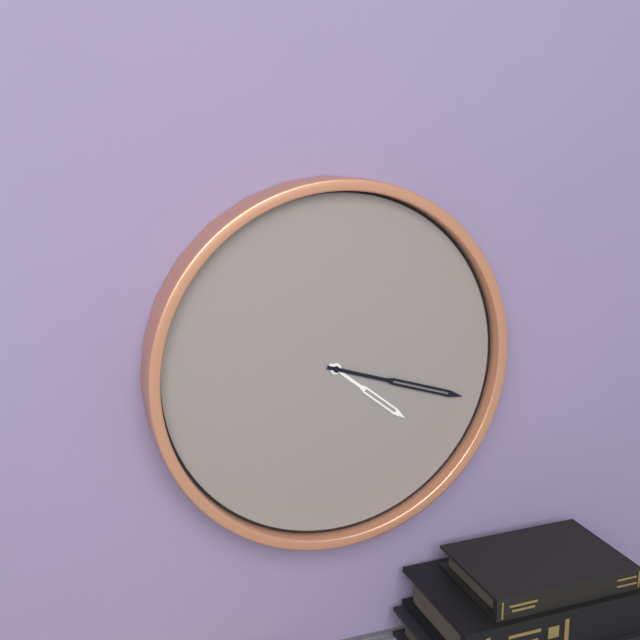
4:18
